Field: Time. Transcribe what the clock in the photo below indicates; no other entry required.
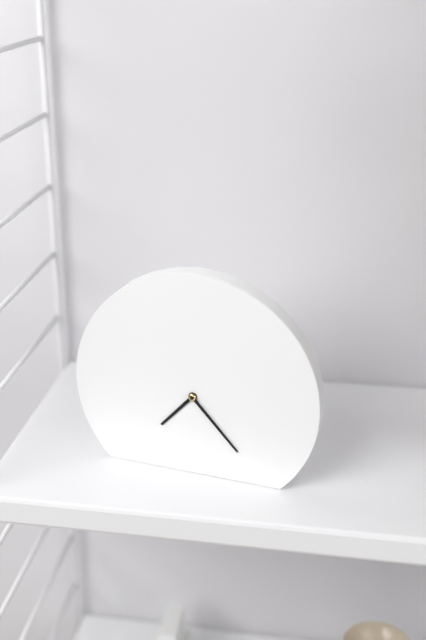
7:23
